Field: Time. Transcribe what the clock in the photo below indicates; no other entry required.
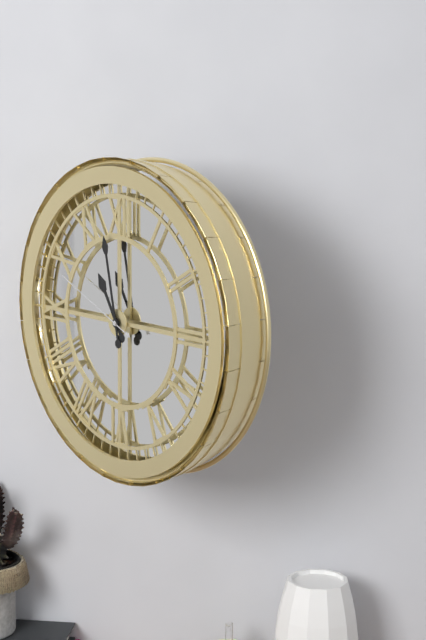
10:58:49
